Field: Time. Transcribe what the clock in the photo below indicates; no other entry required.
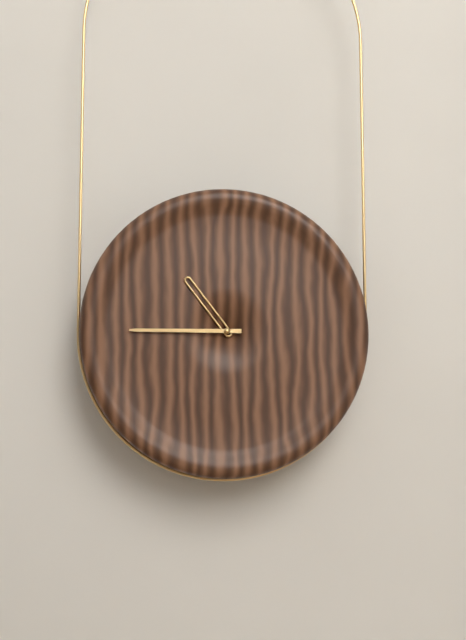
10:45
